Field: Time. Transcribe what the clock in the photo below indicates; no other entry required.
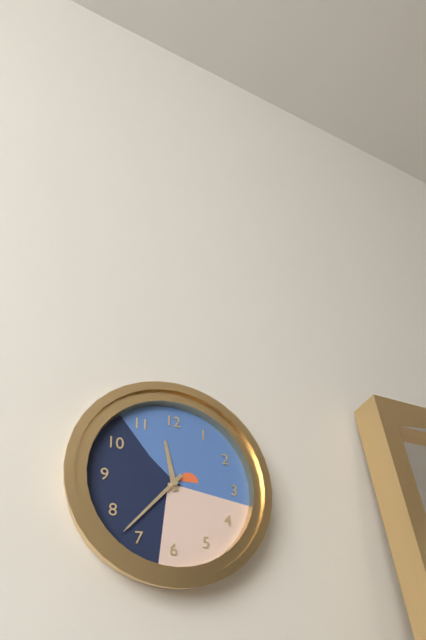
11:37
